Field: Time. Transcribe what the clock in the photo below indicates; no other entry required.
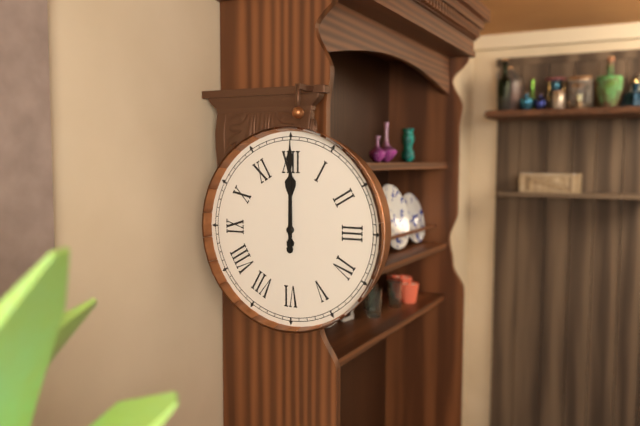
12:00
